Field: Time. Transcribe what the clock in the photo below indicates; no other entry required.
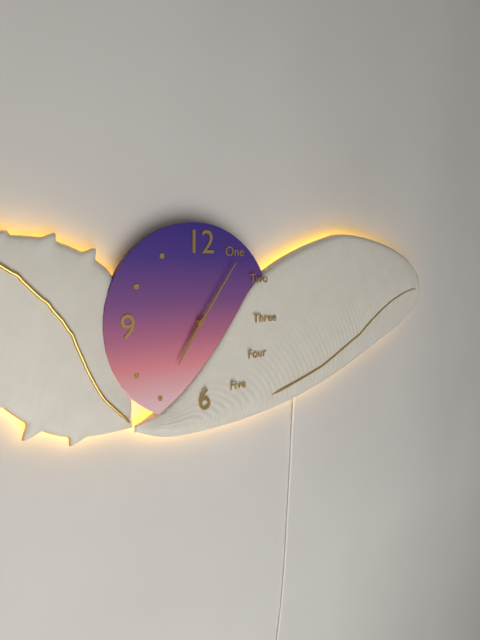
7:06
